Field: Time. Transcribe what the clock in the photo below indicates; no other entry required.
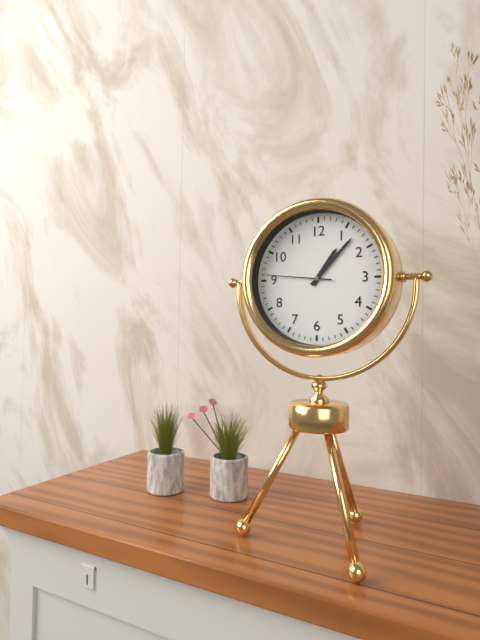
1:07:46
